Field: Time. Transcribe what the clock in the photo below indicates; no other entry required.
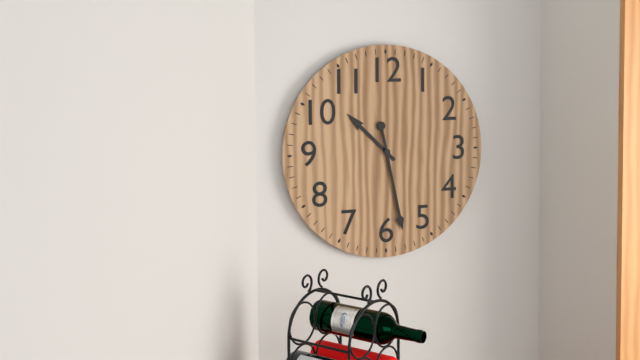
10:28
